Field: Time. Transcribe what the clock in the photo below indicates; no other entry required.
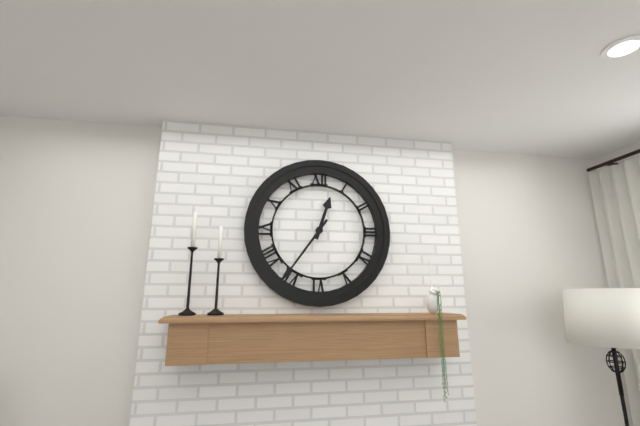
12:36
